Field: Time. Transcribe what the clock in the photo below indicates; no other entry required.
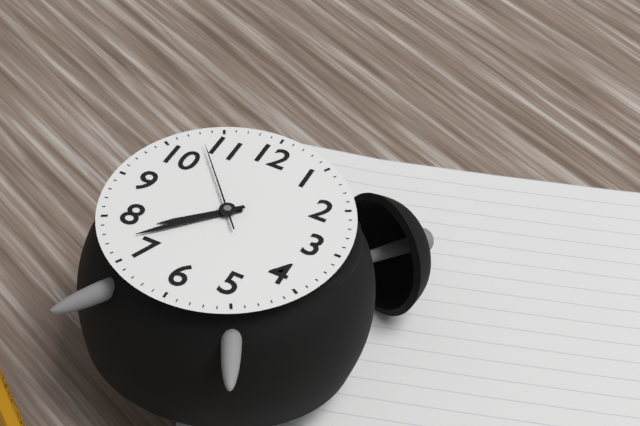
7:37:53
